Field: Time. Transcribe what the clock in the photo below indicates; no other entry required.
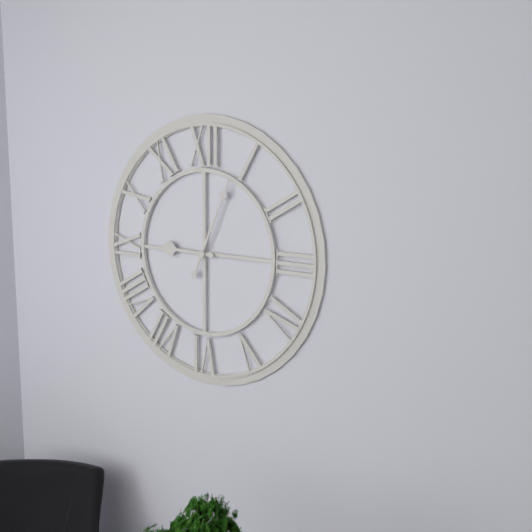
9:04
